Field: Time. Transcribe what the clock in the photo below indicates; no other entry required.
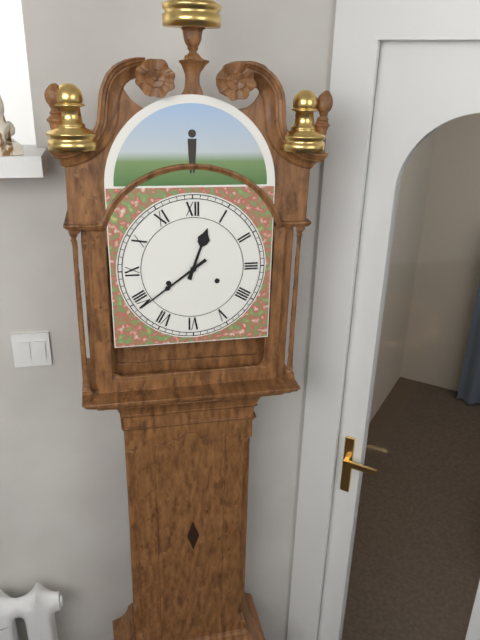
12:39
